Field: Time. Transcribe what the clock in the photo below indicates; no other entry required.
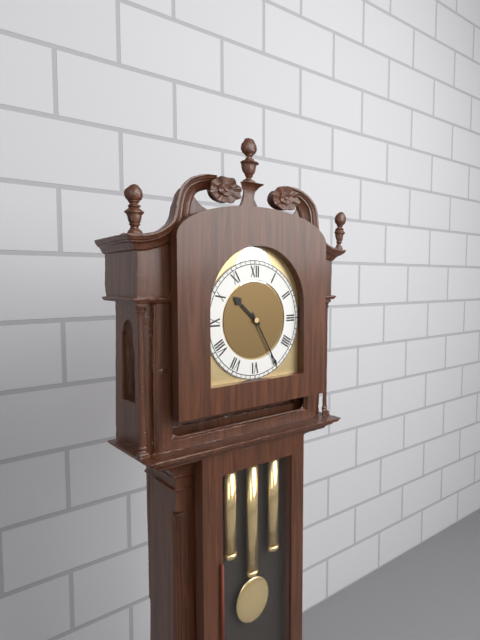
10:25
